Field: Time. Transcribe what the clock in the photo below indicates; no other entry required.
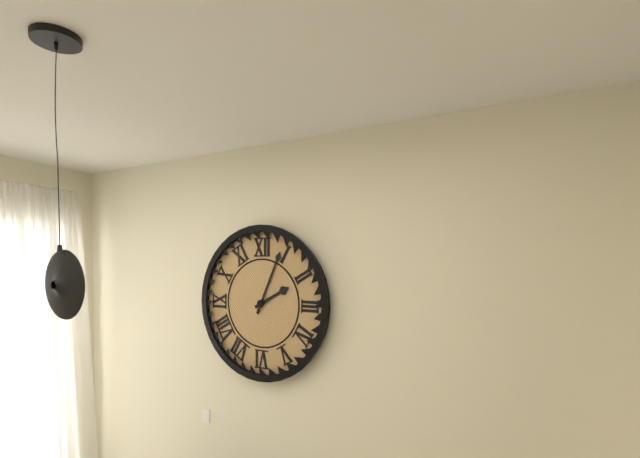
2:04
